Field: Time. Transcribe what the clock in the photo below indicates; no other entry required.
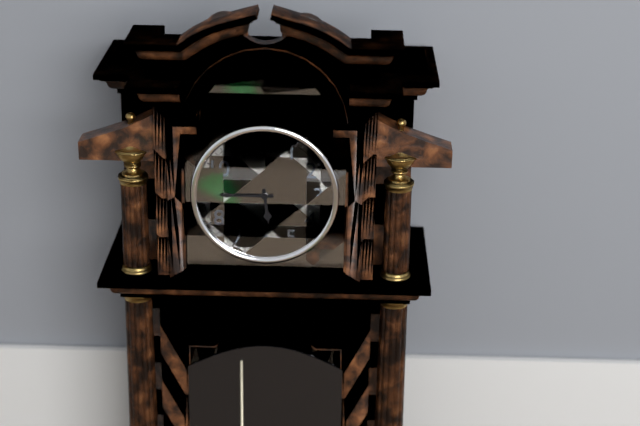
5:45
